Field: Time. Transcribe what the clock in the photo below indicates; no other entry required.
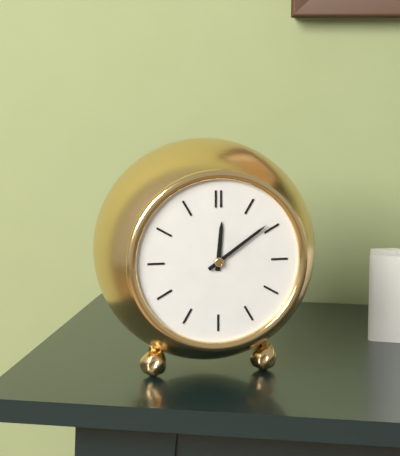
12:09
